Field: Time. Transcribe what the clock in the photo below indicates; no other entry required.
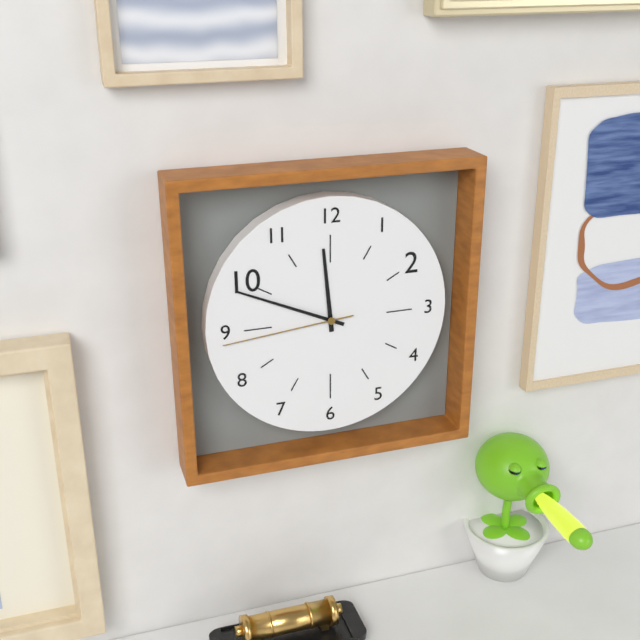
11:49:44
